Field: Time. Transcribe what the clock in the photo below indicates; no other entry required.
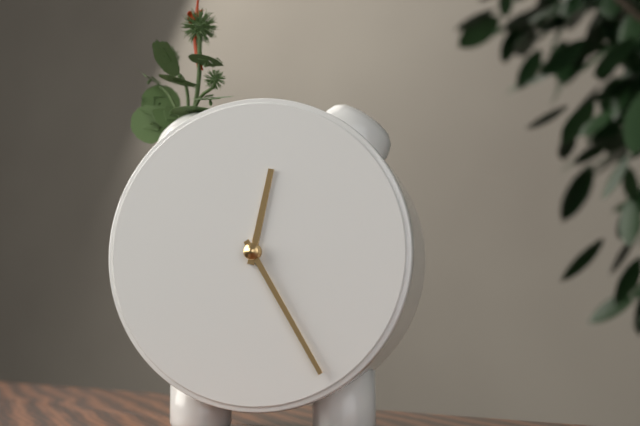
12:25
